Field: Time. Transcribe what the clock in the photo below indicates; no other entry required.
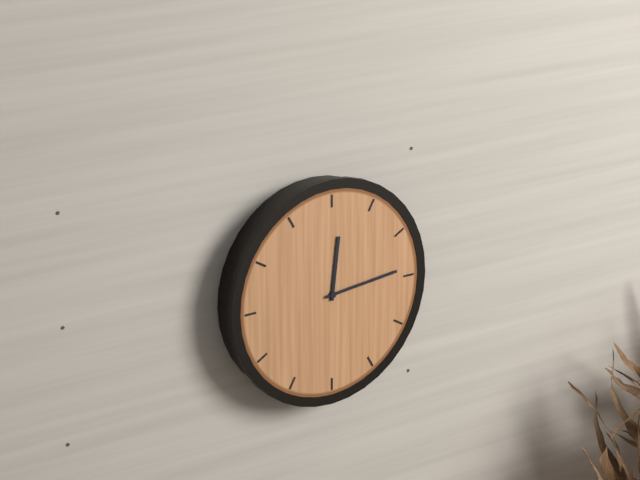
12:14
